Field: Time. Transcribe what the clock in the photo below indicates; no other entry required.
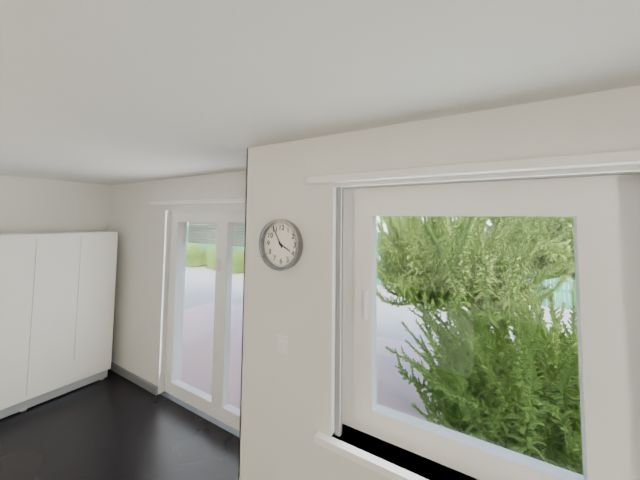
3:55
